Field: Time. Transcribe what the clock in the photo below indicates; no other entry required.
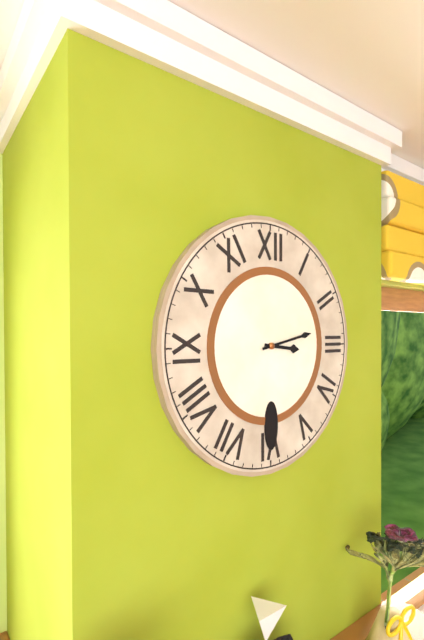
3:13
